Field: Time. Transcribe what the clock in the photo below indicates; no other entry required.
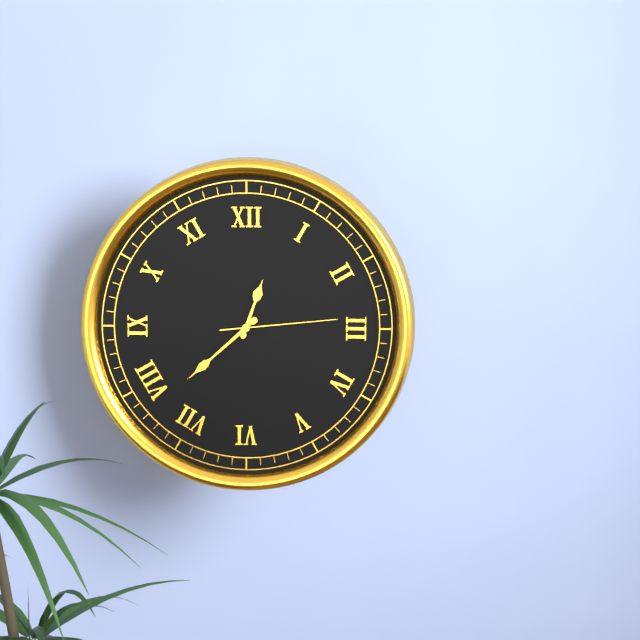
12:38:14
